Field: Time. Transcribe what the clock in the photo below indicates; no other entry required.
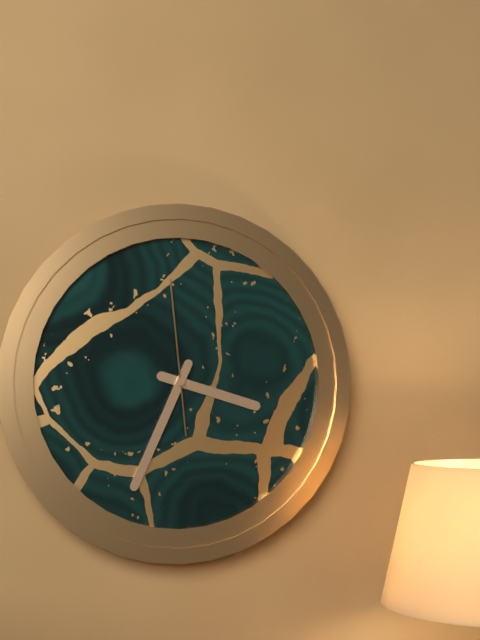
3:34:59
